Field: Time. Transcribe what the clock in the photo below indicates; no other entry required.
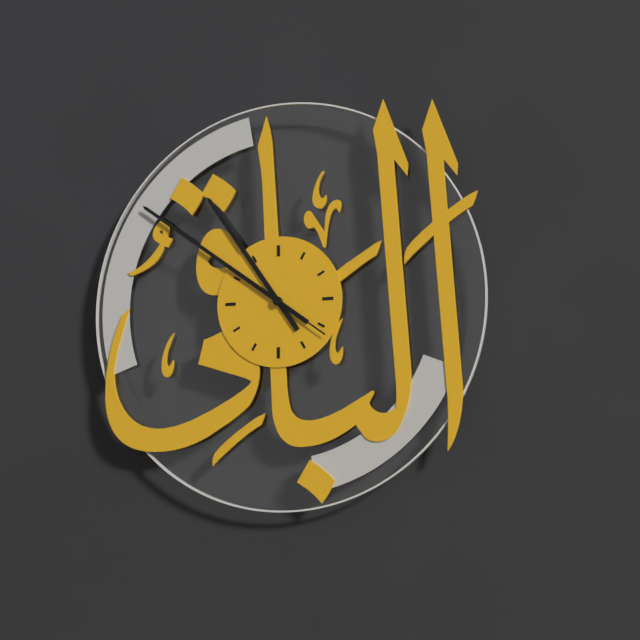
10:51:51
